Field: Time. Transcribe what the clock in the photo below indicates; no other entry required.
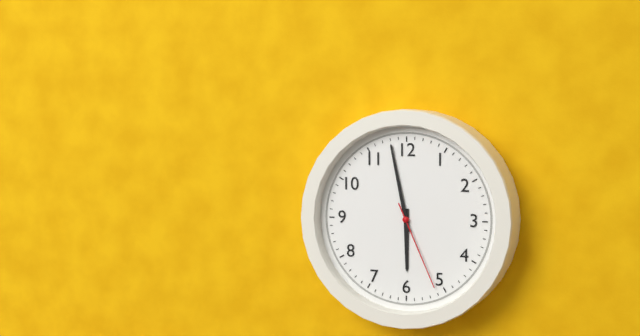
5:58:26
